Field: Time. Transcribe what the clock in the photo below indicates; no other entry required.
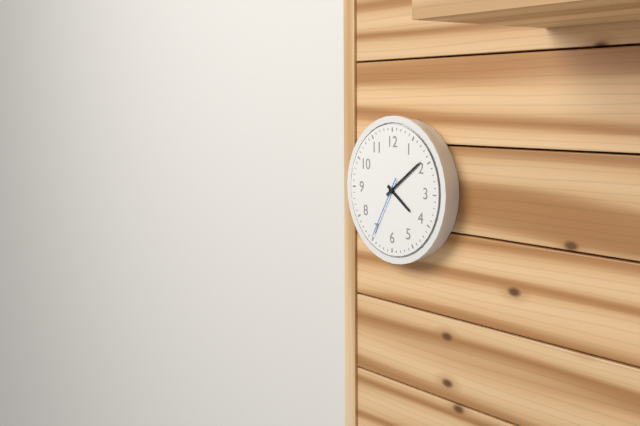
4:09:35
